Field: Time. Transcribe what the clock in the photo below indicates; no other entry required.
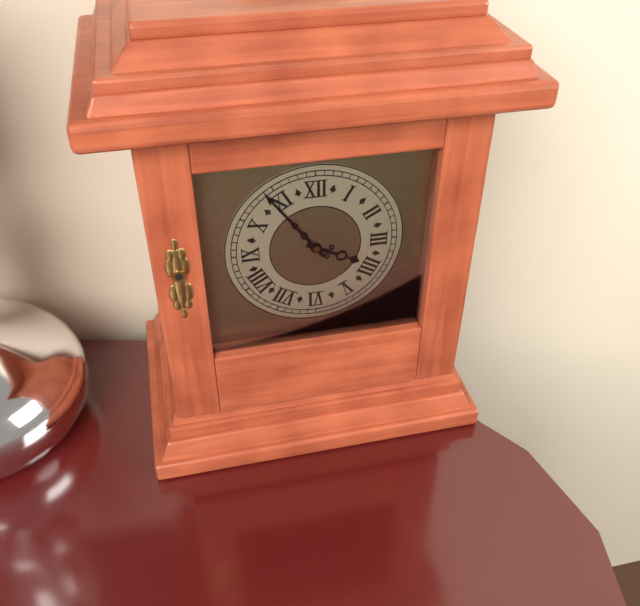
3:54
